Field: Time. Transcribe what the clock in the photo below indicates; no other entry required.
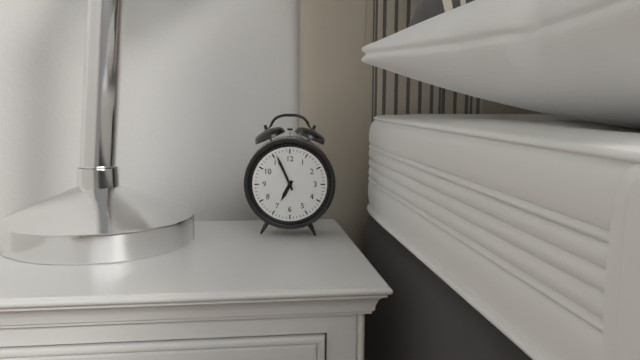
6:56
